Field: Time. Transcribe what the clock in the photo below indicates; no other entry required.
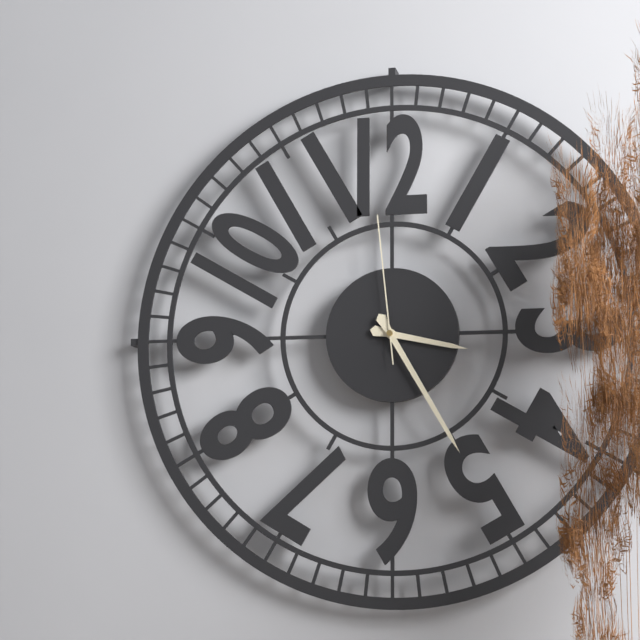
3:25:59
